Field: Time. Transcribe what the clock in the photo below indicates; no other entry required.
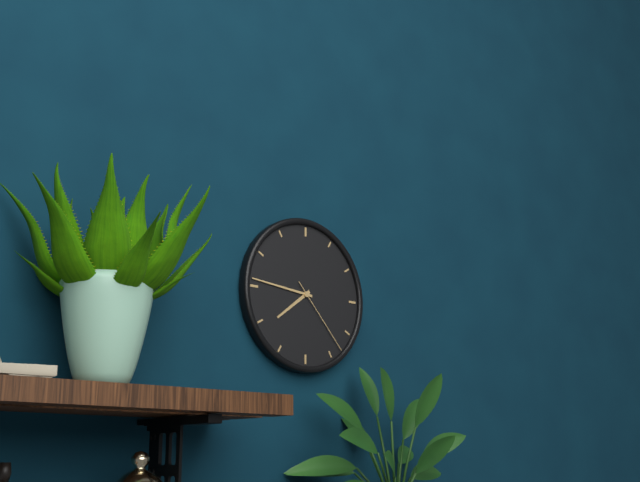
7:46:23
